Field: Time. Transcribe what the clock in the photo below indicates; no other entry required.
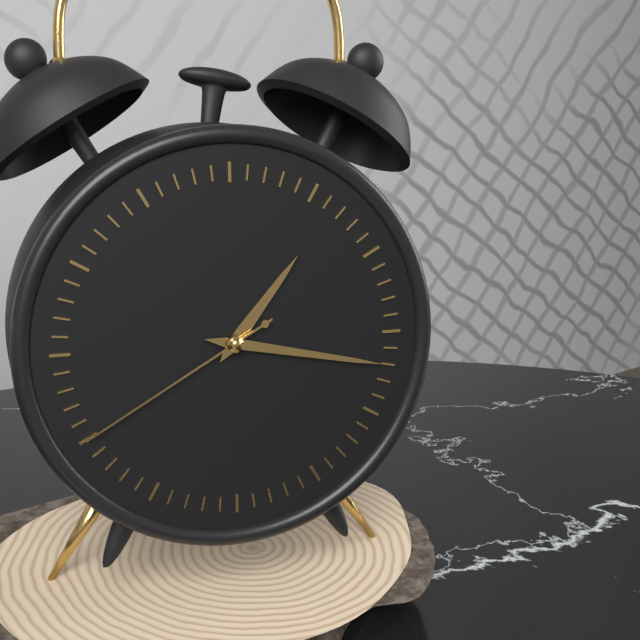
1:17:40
